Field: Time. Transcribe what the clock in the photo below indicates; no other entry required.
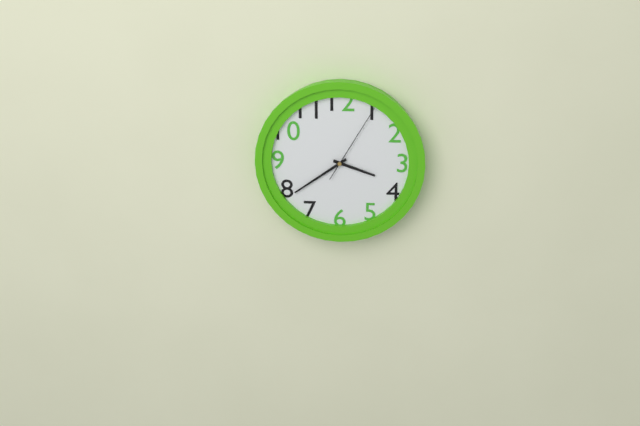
3:39:05
